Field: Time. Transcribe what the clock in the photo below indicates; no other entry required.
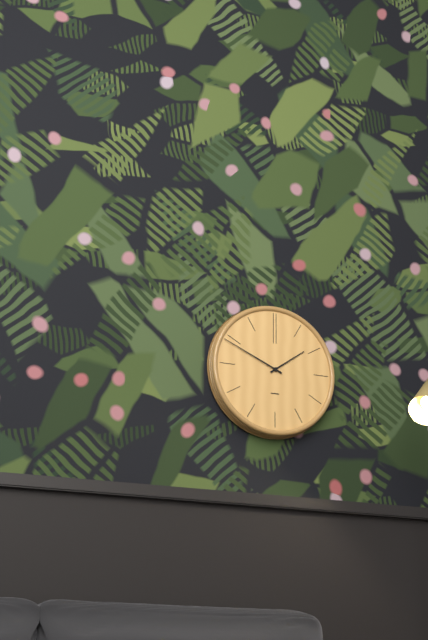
1:49
